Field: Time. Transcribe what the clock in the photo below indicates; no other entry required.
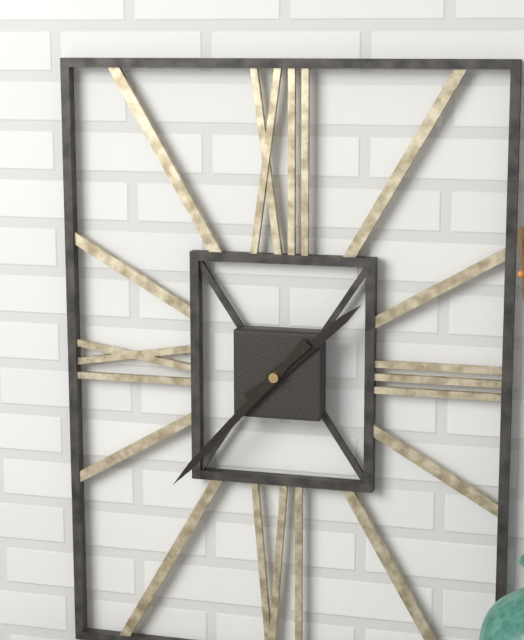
1:37
